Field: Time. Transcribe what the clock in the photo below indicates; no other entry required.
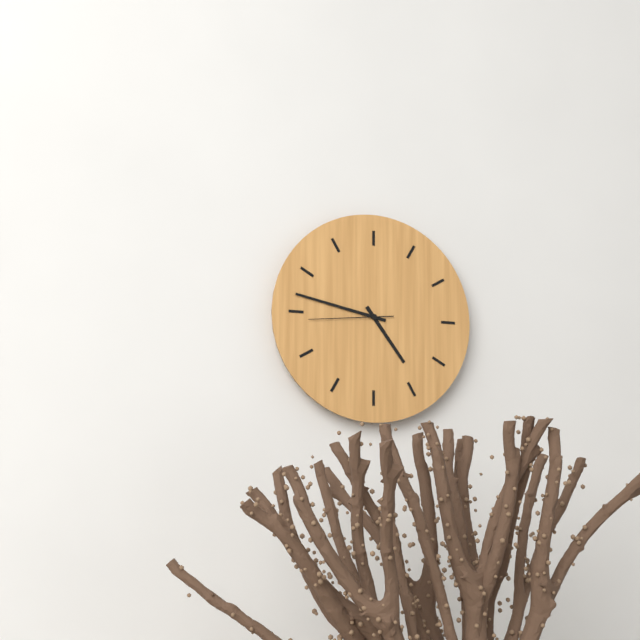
4:47:44
